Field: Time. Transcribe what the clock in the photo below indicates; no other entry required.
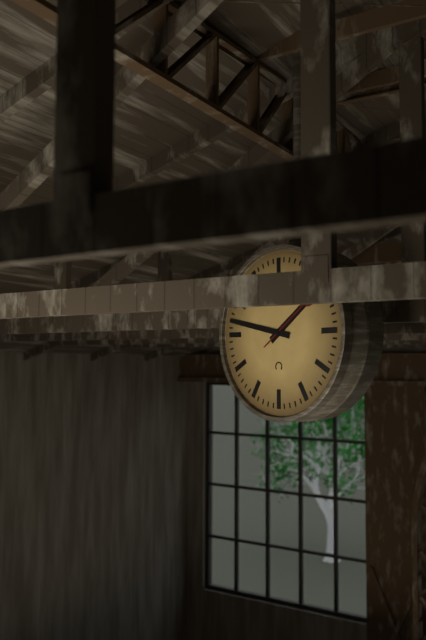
1:47:09
